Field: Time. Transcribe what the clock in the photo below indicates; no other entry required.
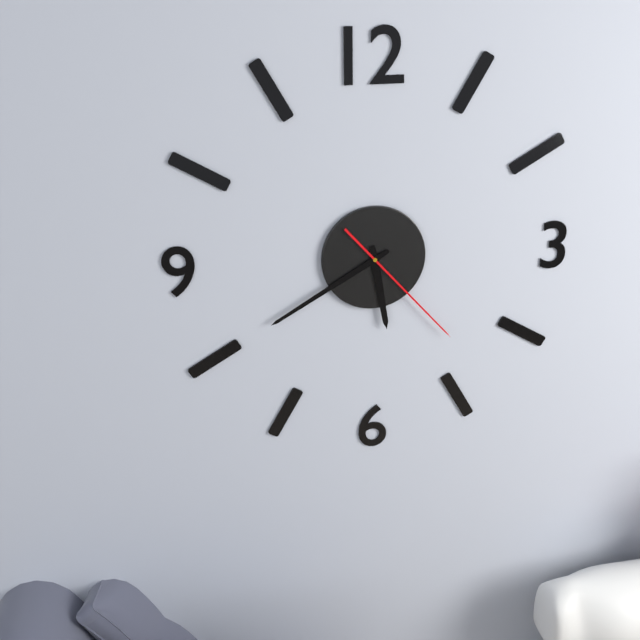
5:40:23
